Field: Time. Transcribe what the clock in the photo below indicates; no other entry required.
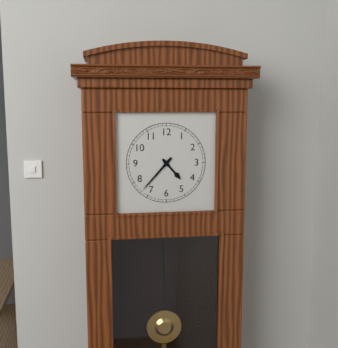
4:37
